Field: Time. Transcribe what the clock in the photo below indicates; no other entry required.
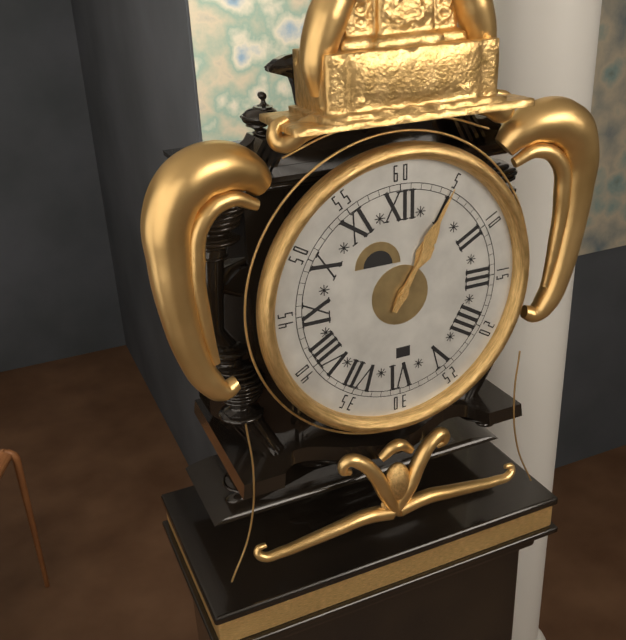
1:05
